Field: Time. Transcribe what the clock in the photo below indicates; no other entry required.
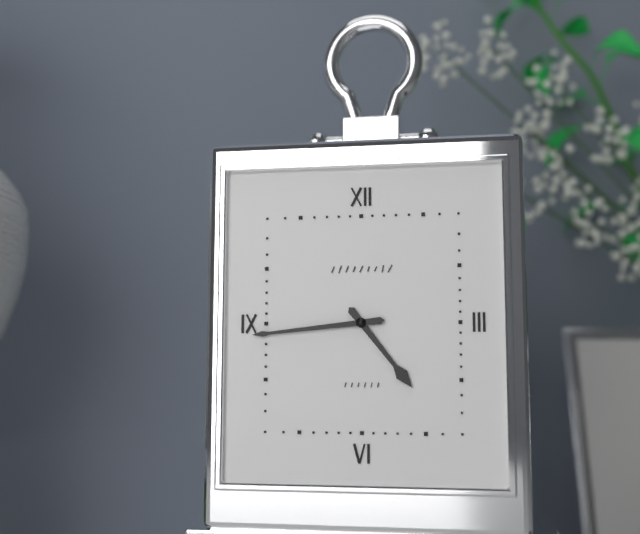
4:44
